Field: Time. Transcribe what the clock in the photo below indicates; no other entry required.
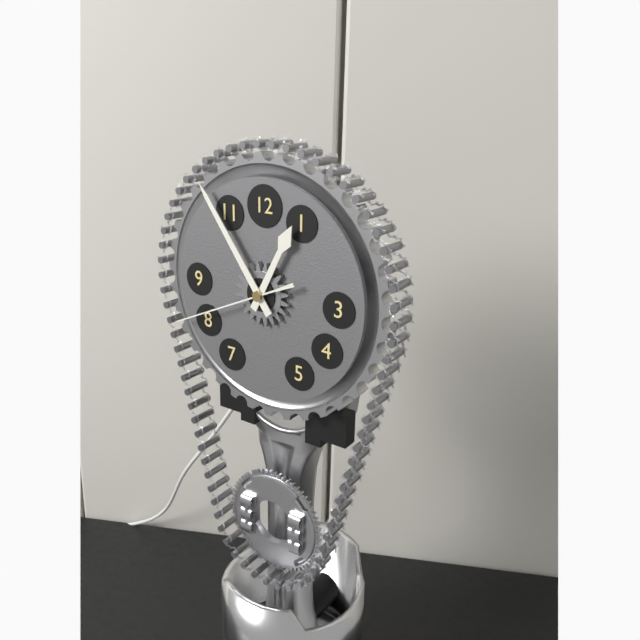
12:54:41
